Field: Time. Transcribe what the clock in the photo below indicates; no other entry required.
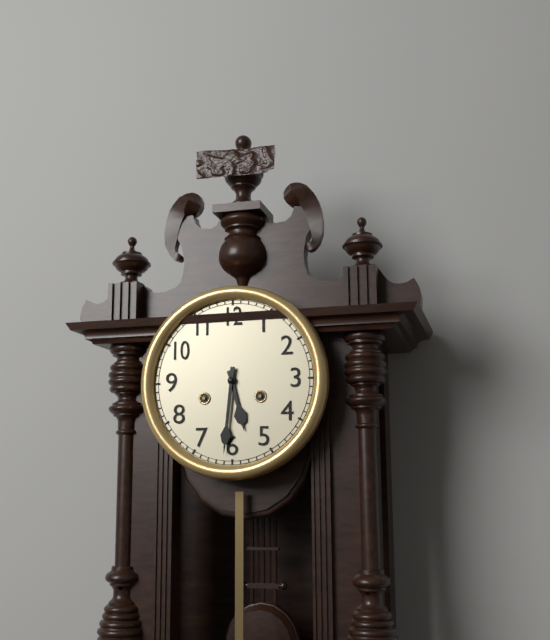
5:31
